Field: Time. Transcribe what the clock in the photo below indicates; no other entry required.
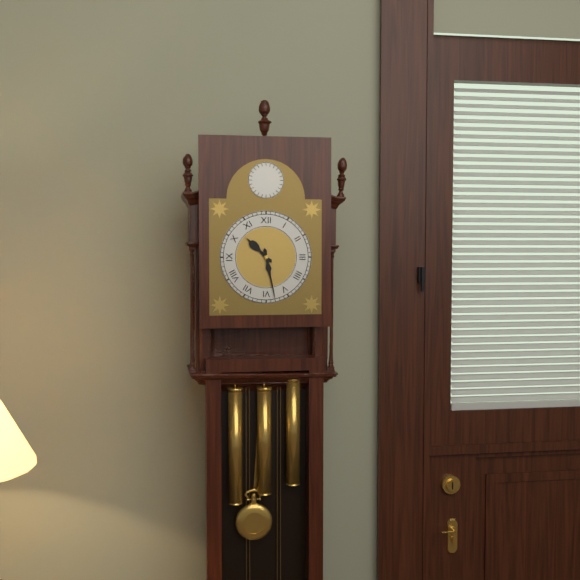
10:28
